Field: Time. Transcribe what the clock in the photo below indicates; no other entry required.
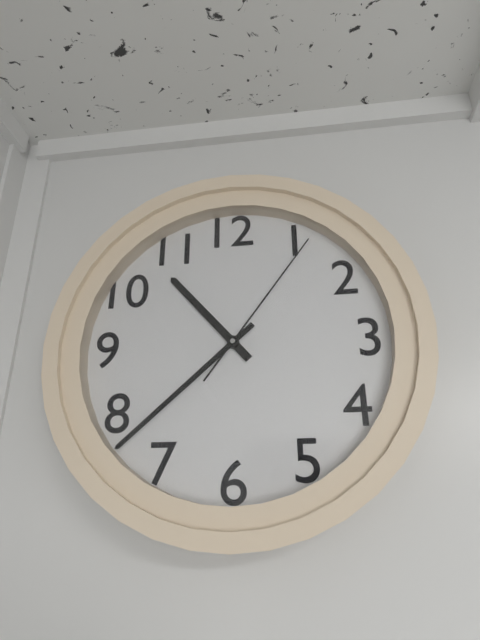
10:38:06
